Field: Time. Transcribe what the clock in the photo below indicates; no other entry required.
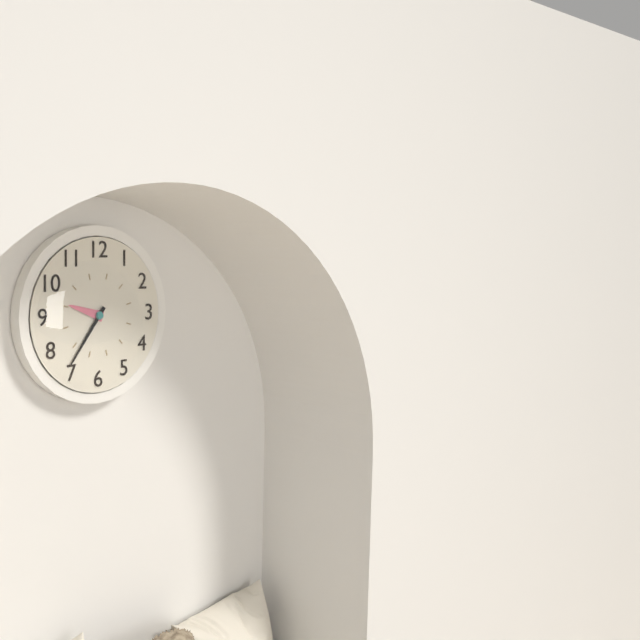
9:36
